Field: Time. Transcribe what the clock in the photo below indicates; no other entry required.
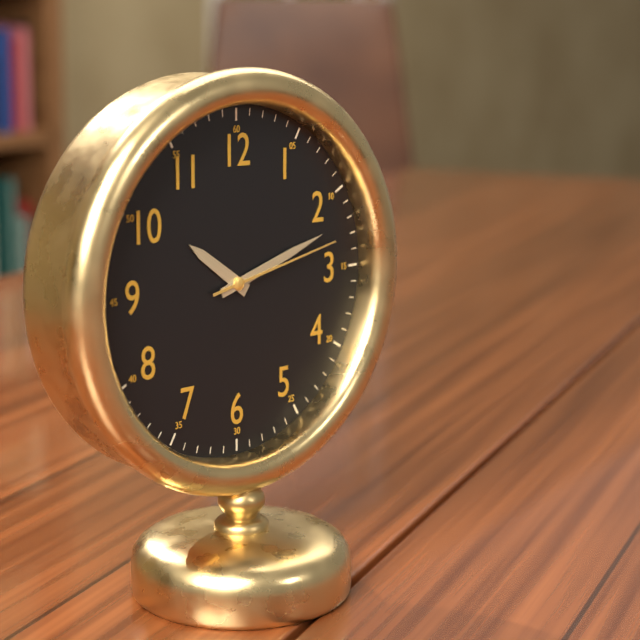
10:12:13
